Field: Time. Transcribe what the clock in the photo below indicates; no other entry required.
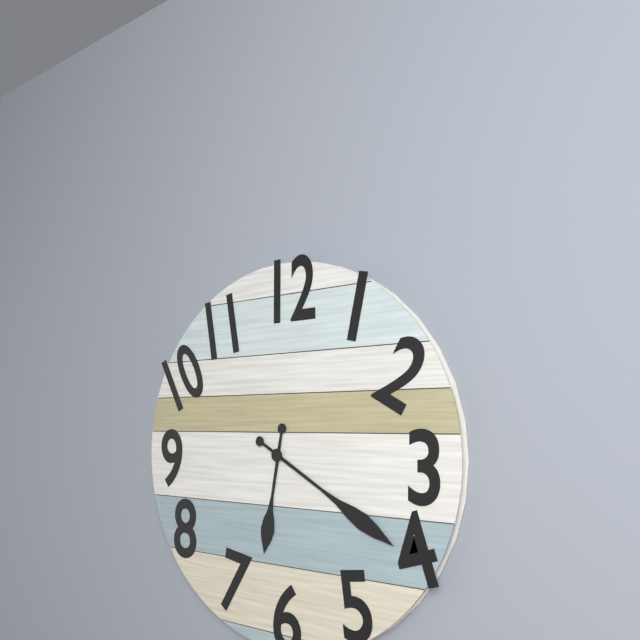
6:20
